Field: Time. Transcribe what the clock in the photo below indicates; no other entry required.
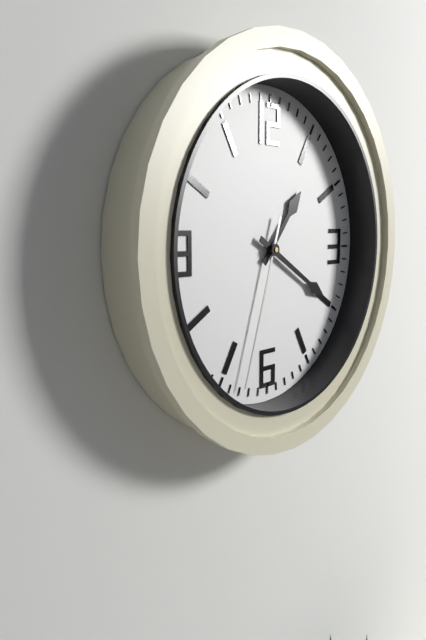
1:20:33
